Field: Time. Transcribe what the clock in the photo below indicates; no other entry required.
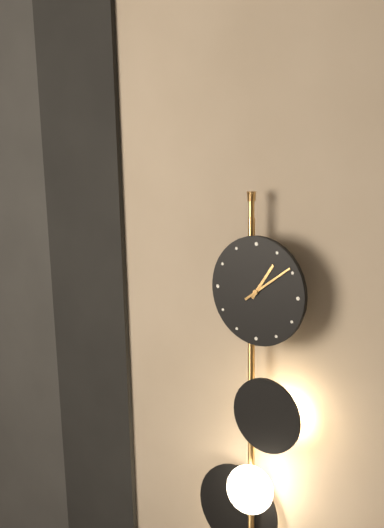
1:09
